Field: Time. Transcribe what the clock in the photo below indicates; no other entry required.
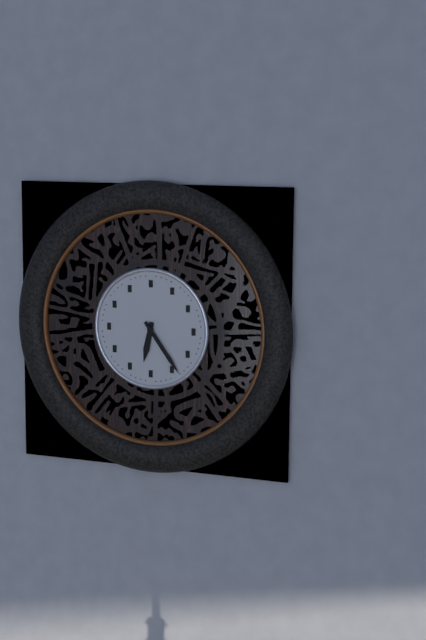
6:24
